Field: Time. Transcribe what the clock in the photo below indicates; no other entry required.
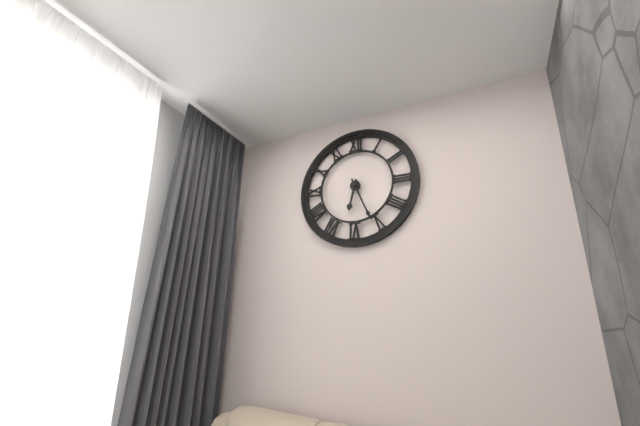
6:26
